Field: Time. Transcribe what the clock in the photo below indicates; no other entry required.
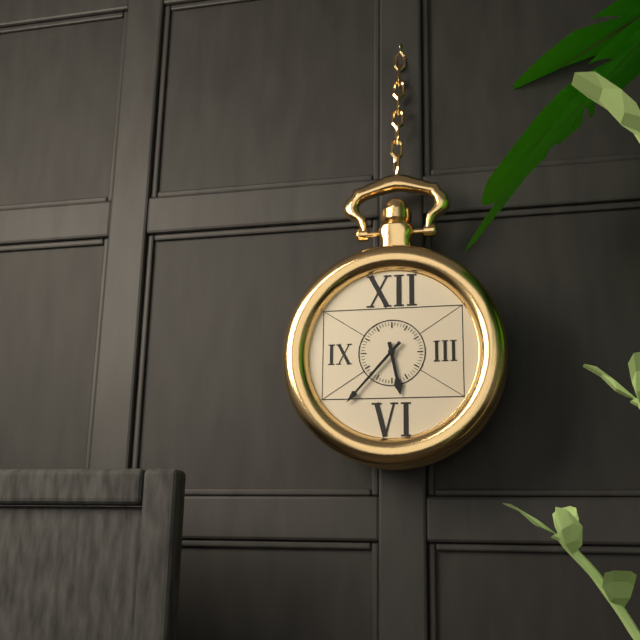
5:37
